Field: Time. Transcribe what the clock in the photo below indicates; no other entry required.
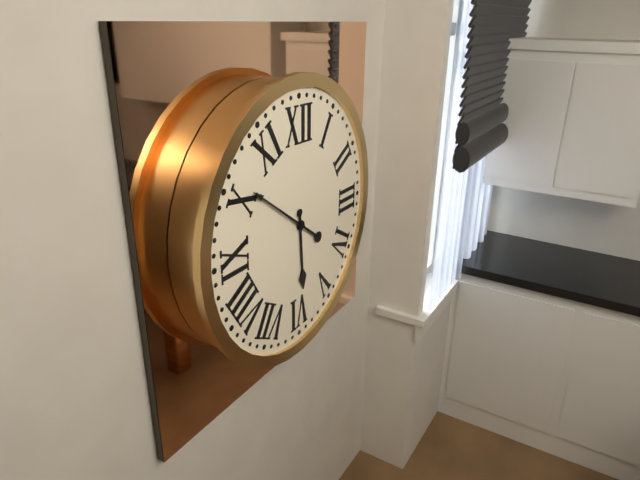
5:51
